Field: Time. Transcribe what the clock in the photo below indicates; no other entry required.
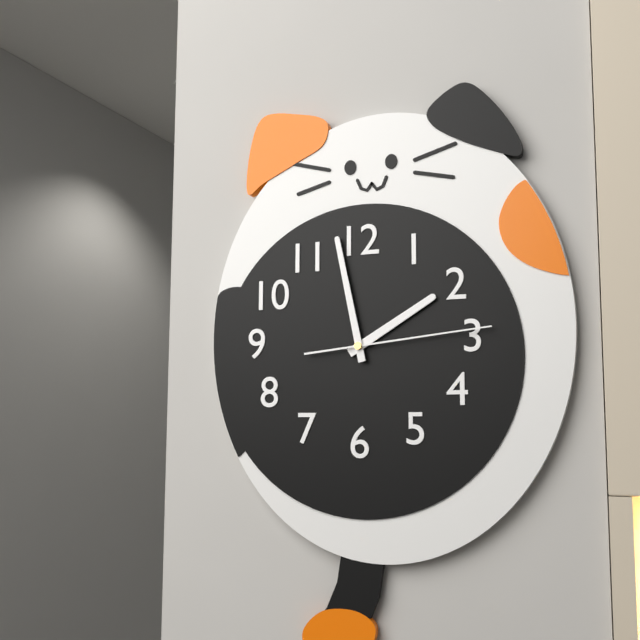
1:58:14
